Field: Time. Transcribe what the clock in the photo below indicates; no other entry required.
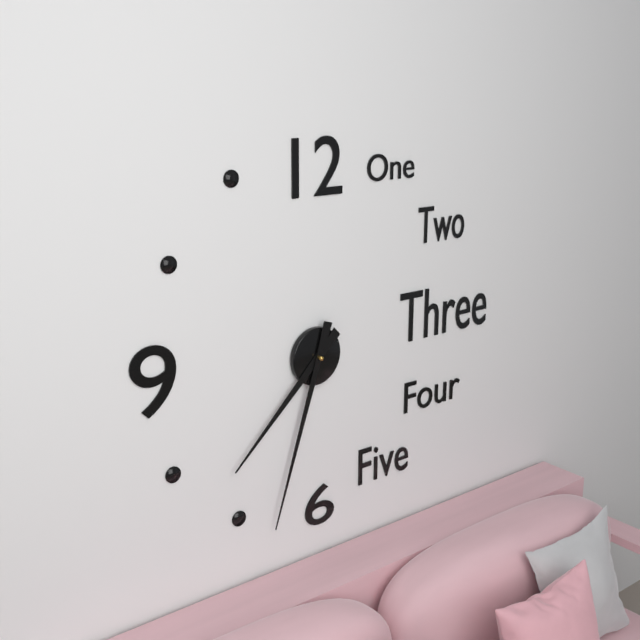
7:33
